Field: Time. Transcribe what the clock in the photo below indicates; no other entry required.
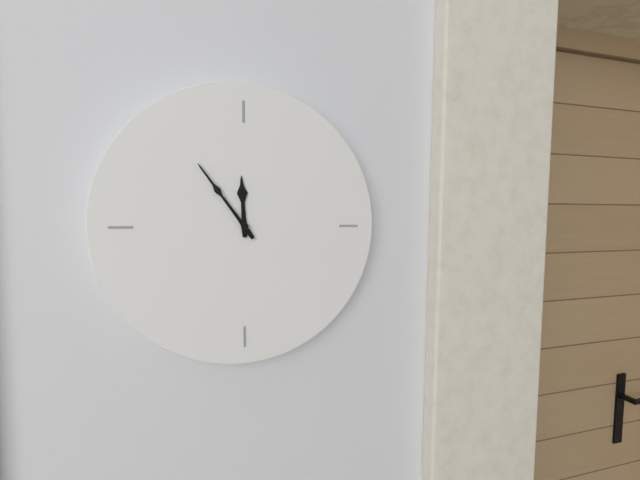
11:54
